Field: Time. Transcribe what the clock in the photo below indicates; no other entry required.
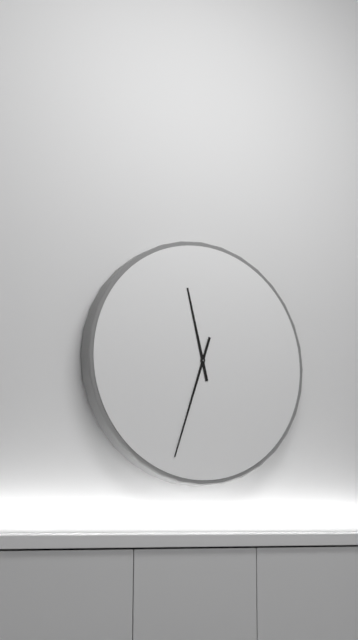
11:33
